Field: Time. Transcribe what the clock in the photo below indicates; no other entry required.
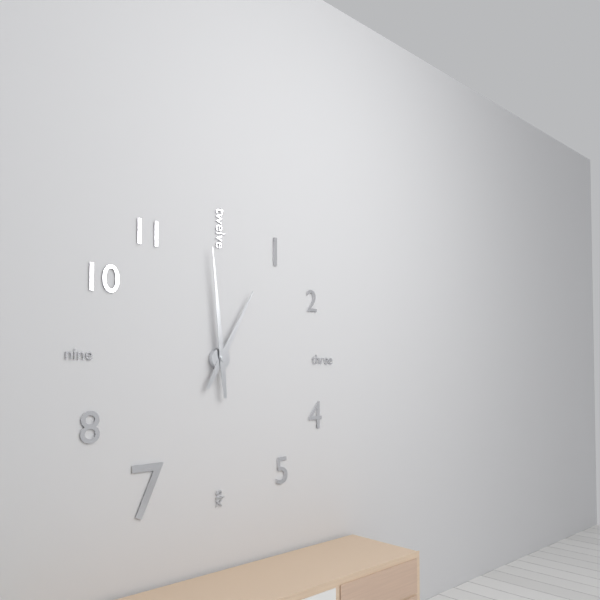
12:59
